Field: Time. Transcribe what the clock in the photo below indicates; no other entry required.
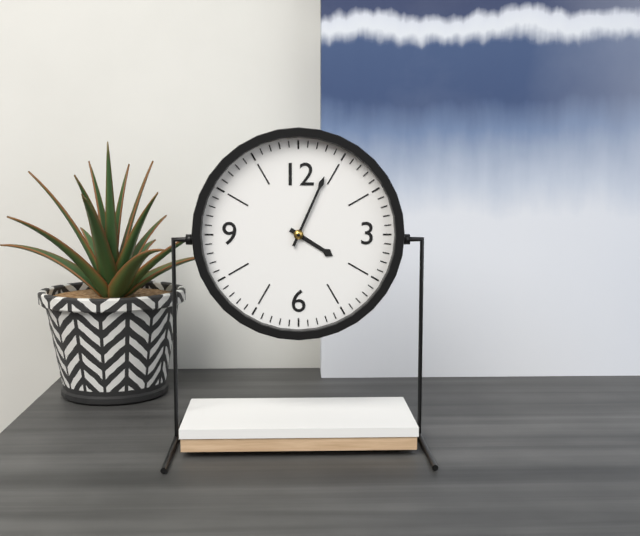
4:04
